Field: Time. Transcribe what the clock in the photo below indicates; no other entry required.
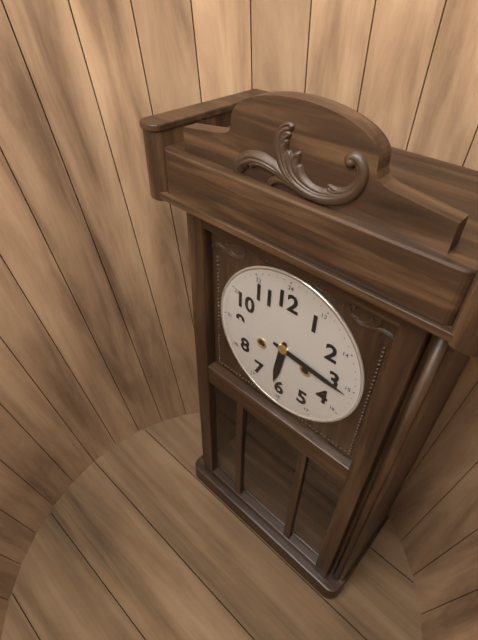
6:16
